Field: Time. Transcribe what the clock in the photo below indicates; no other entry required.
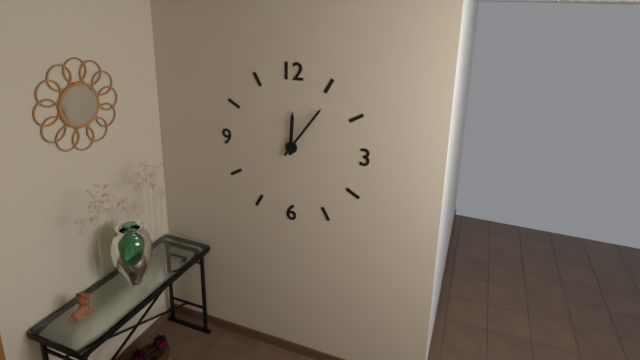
12:06
